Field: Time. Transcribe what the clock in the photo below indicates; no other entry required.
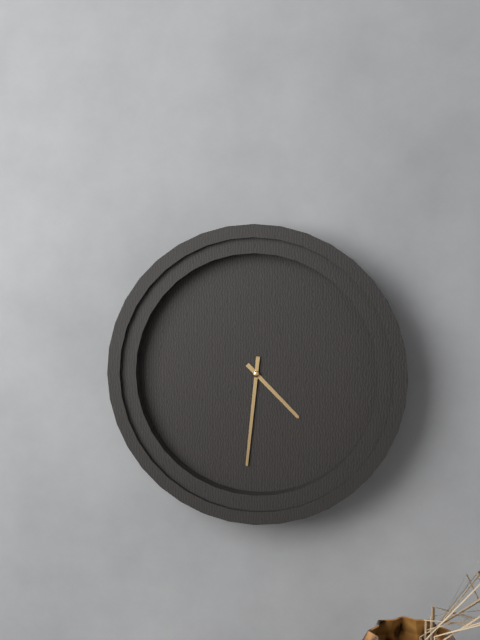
4:31
